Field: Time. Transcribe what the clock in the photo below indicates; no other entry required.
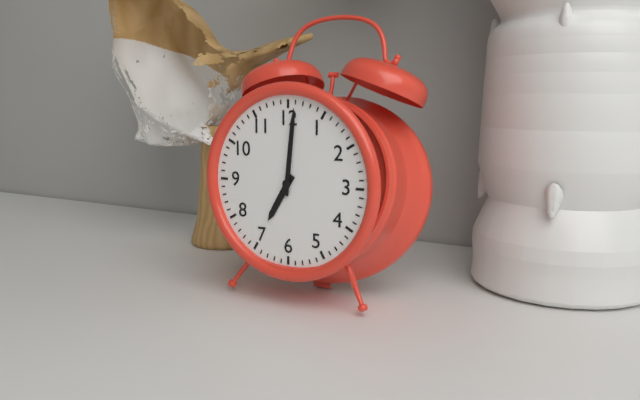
7:01
